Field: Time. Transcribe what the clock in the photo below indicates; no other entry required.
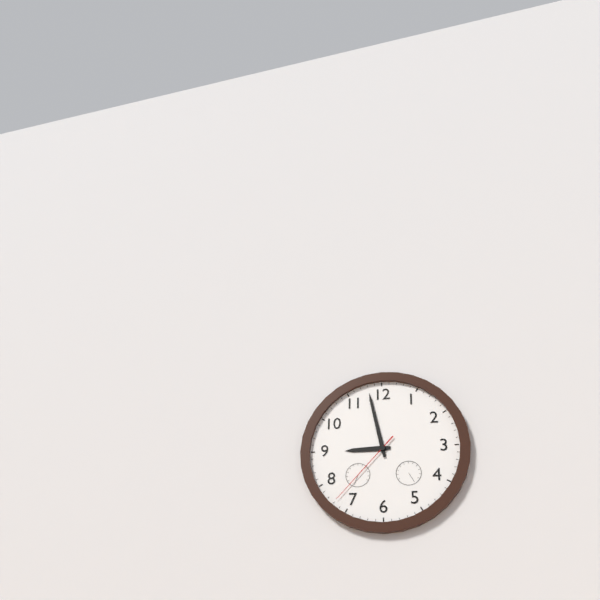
8:58:37
